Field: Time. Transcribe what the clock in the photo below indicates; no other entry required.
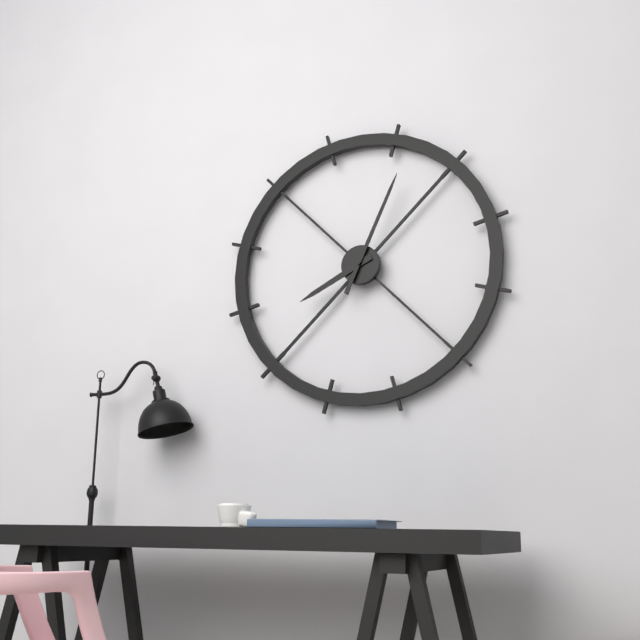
8:04
